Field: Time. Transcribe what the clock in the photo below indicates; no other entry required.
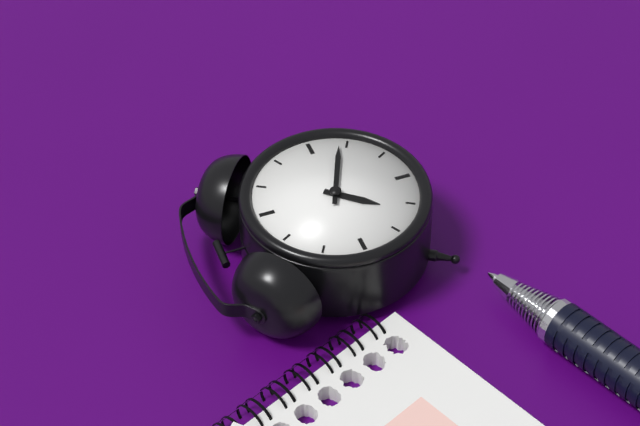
7:19
